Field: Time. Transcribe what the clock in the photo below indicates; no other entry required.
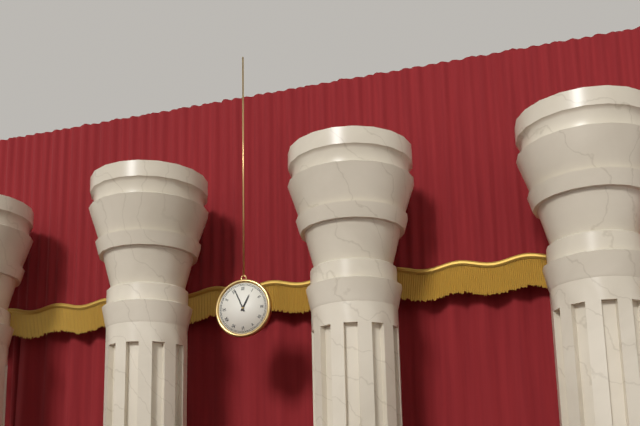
12:56
